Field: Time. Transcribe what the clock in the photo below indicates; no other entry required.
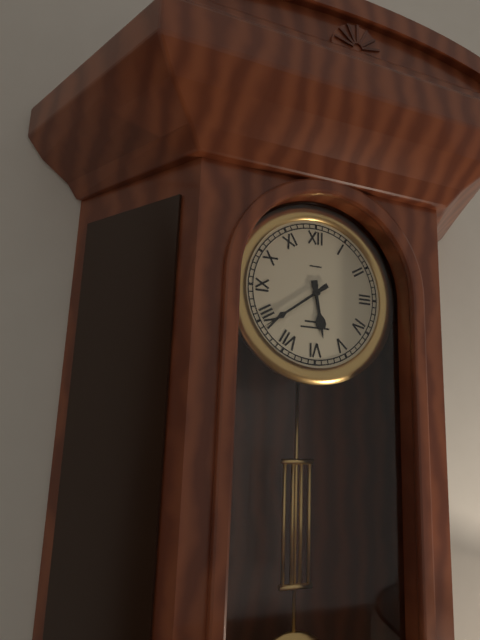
5:39
